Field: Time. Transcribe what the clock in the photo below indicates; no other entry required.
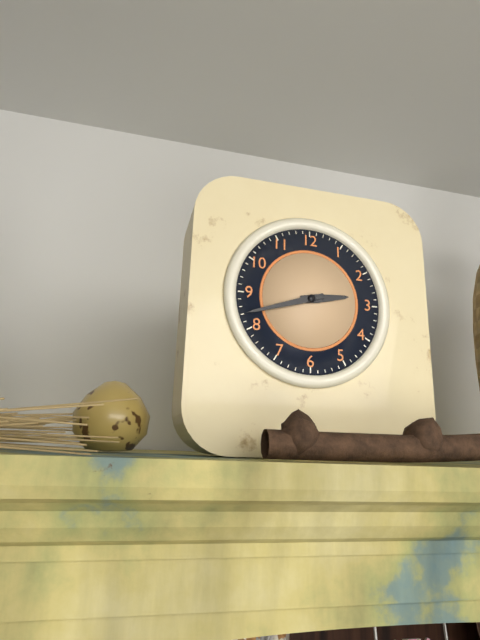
2:42
